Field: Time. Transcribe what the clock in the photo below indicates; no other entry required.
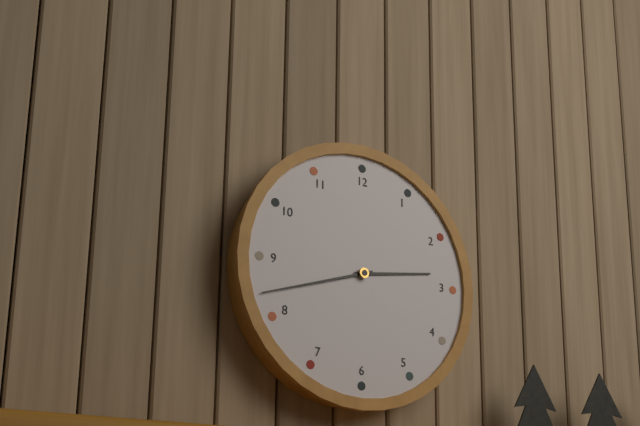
2:42
